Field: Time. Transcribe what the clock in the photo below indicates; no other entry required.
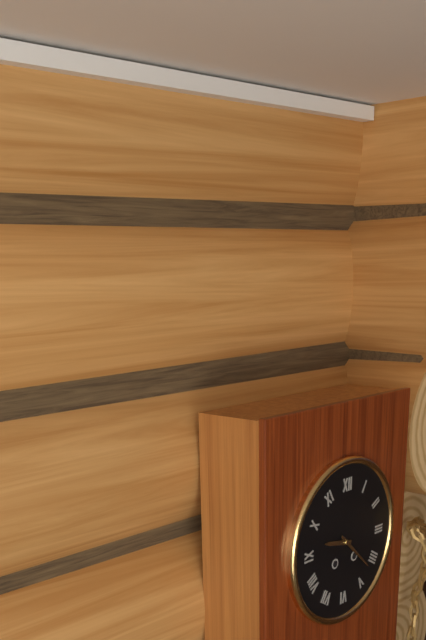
9:22
